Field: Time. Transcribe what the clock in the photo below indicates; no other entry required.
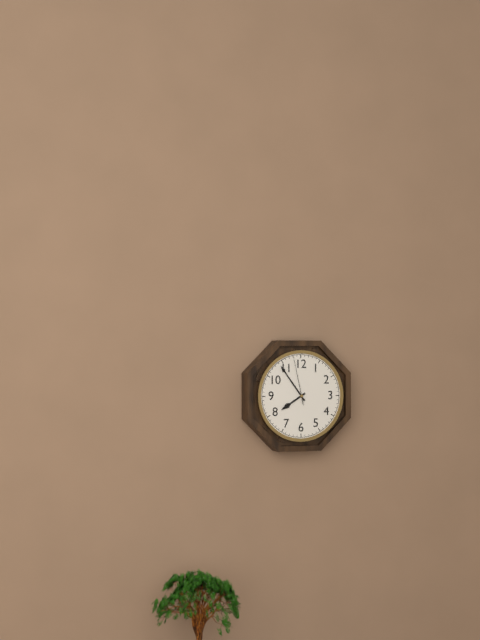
7:54:58
